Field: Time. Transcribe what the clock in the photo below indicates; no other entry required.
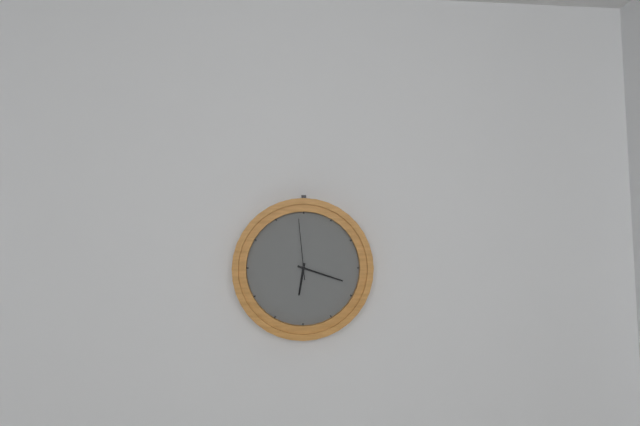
6:18:59
